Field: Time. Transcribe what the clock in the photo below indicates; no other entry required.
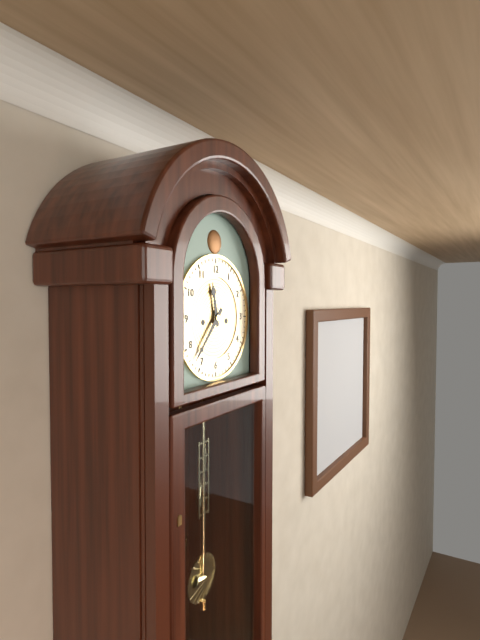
11:37
